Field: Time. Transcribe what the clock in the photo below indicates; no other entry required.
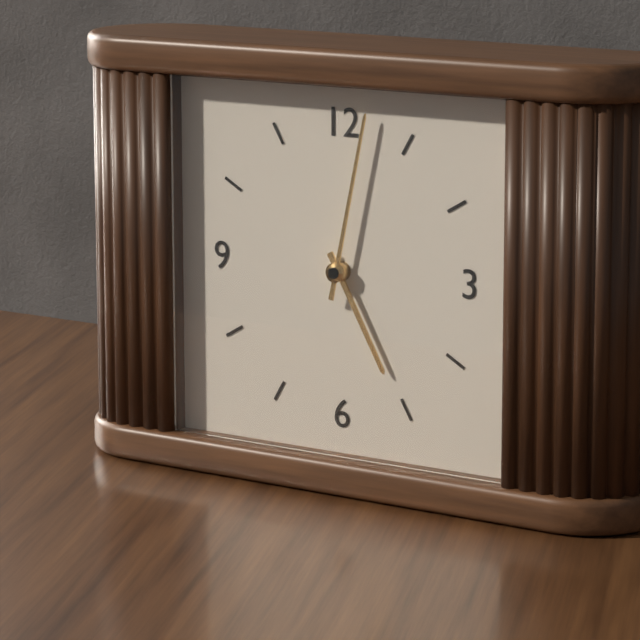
5:02
